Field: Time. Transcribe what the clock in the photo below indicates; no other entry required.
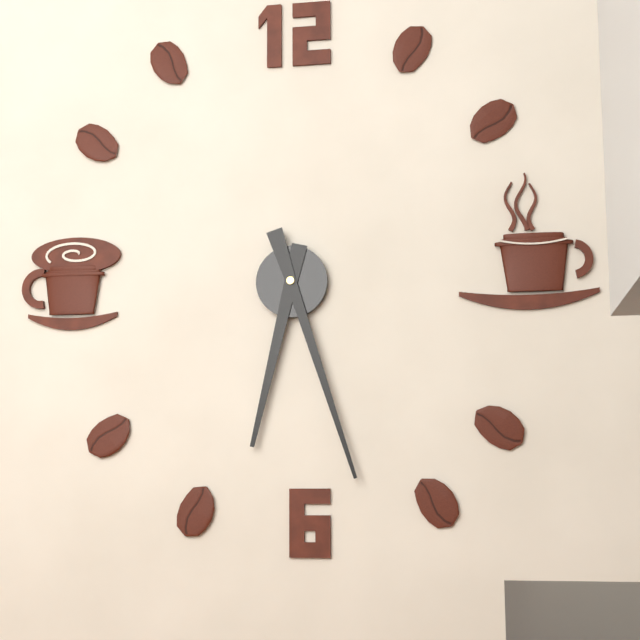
6:27
